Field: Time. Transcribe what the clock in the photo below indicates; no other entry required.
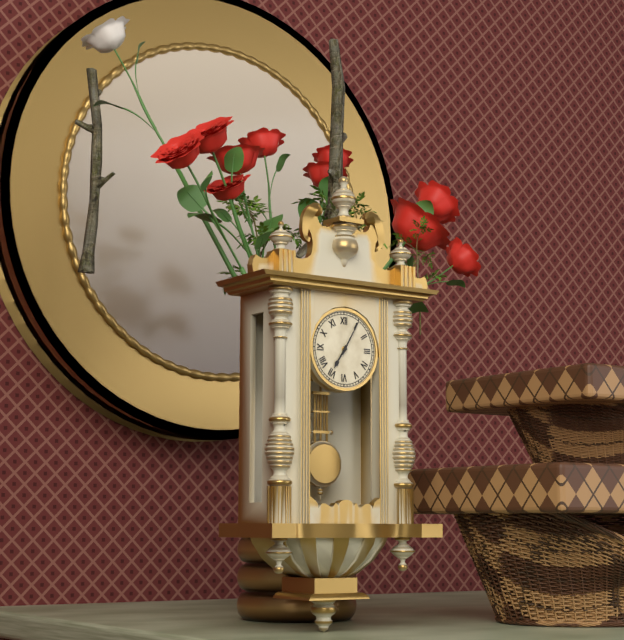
7:05
